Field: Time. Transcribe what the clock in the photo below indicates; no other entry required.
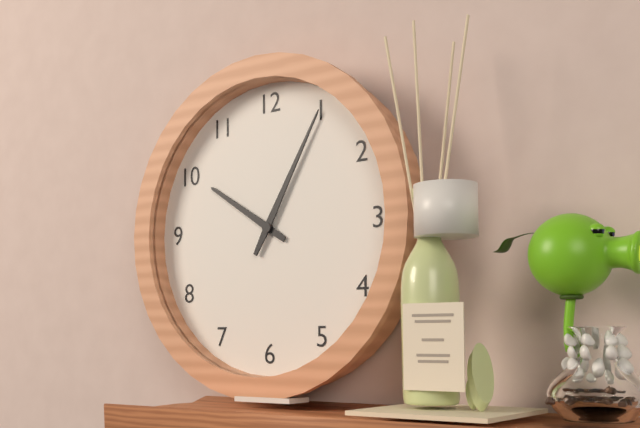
10:05
